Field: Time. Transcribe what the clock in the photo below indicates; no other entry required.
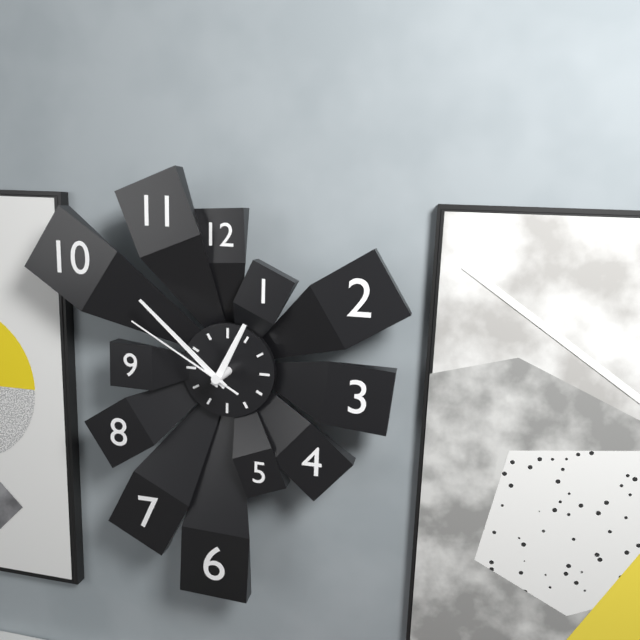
12:52:50
